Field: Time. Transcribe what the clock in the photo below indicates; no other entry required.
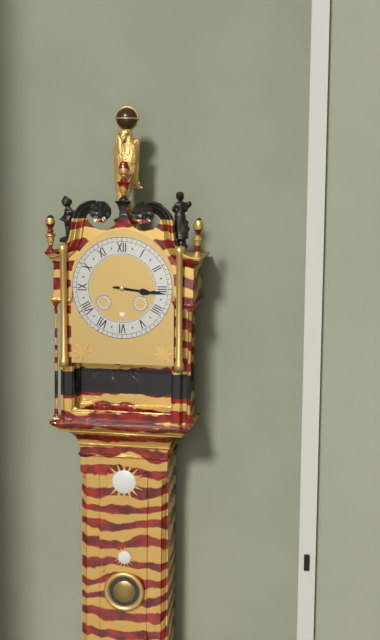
3:16
